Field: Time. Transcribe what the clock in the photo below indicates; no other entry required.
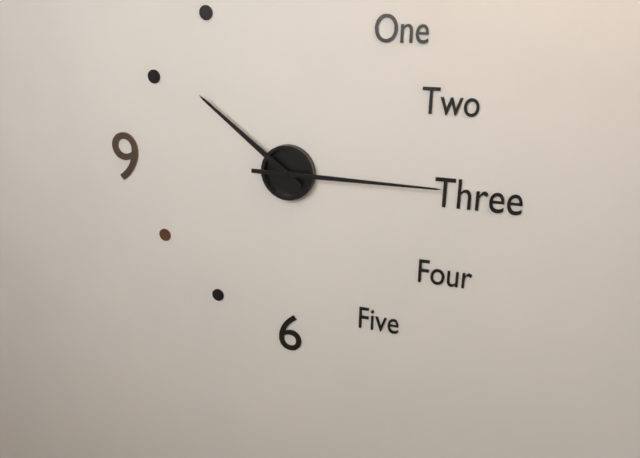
10:15
